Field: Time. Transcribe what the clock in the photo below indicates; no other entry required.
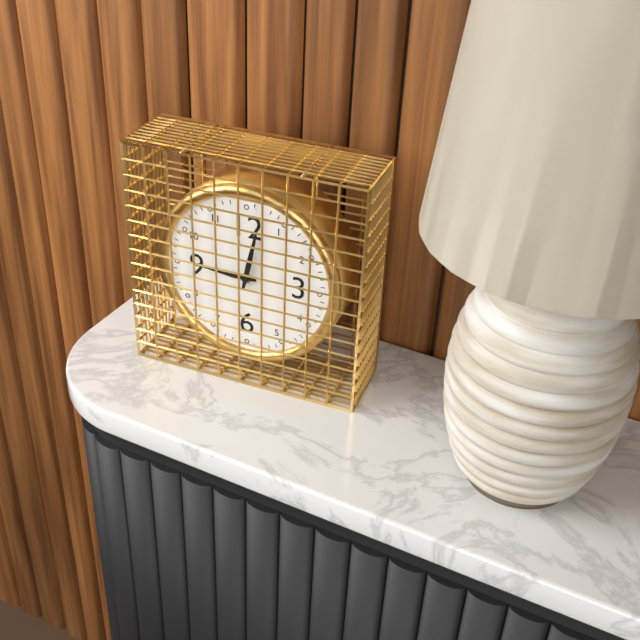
9:02
